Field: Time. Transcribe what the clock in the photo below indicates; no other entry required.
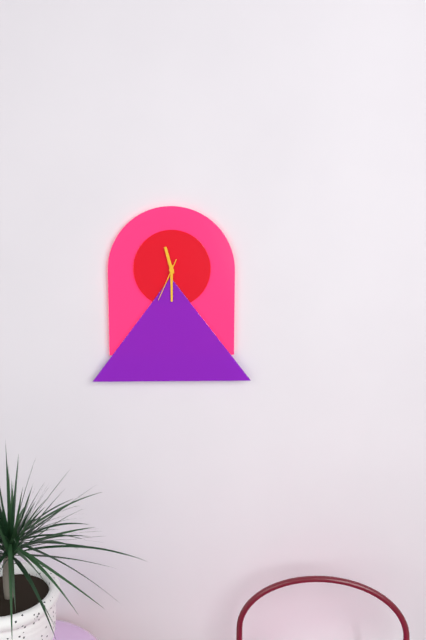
11:30
